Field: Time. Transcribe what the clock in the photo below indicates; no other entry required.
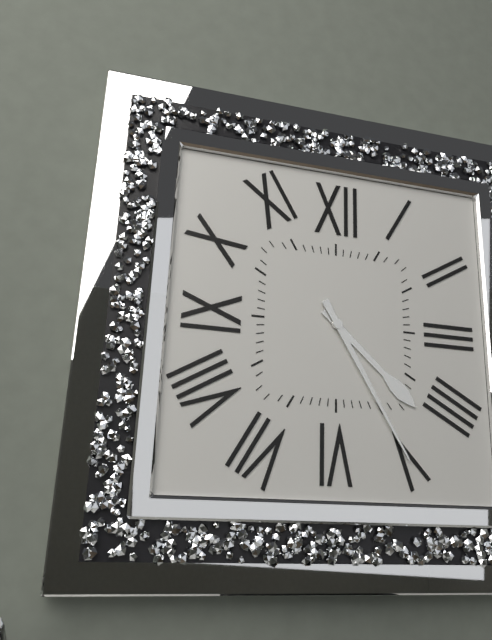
4:25
